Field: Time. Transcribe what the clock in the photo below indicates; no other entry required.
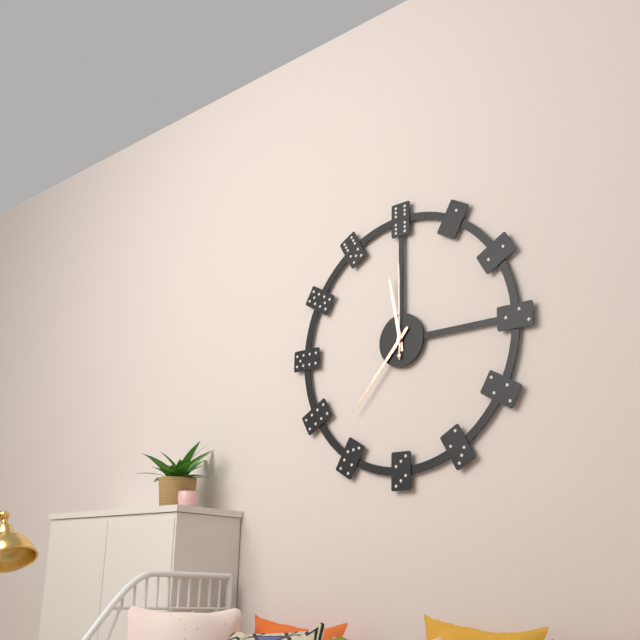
11:37:00
